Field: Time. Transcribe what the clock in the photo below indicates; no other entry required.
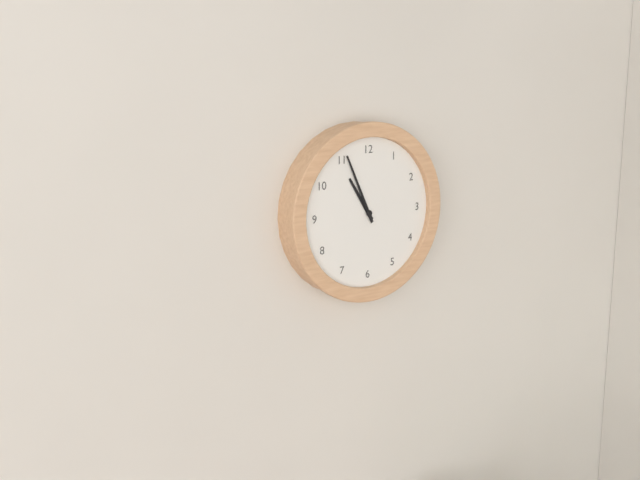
10:56
